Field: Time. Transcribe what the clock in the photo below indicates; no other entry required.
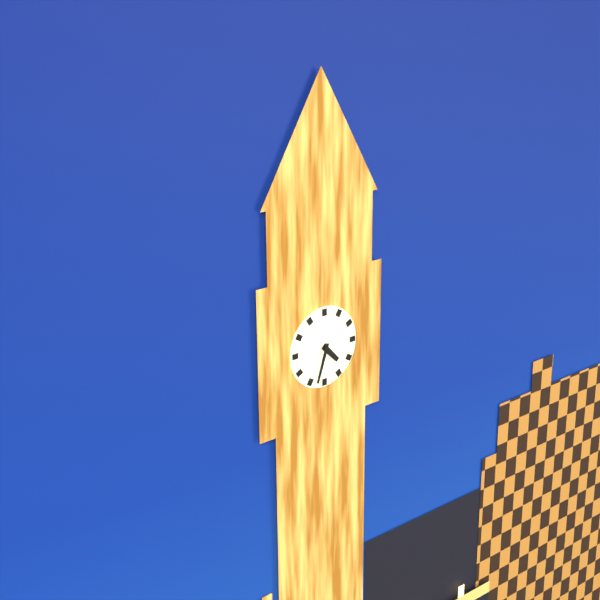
4:33
